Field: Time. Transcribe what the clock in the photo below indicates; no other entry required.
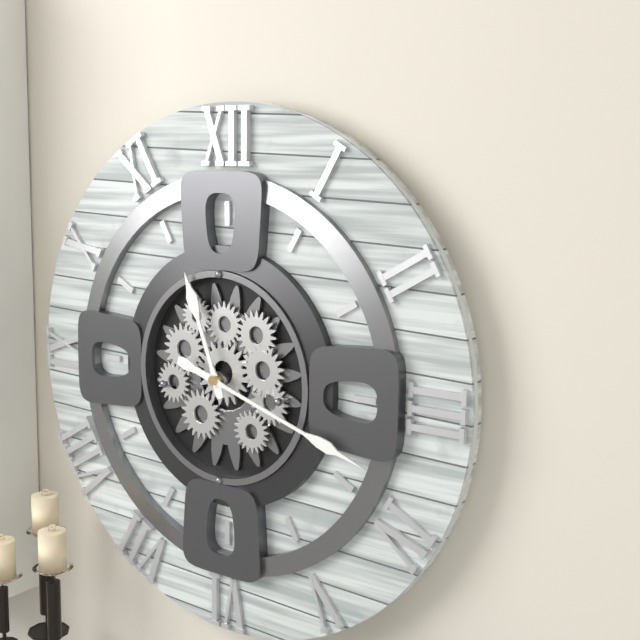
11:18
